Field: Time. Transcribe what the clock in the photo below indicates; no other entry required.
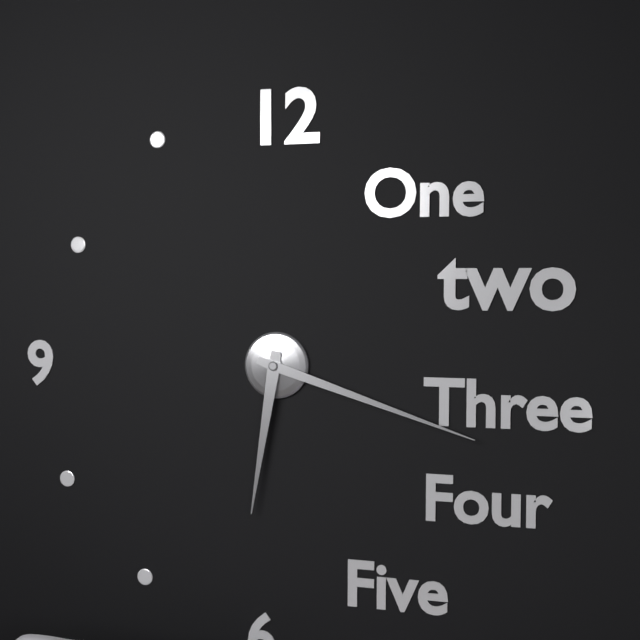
6:18
